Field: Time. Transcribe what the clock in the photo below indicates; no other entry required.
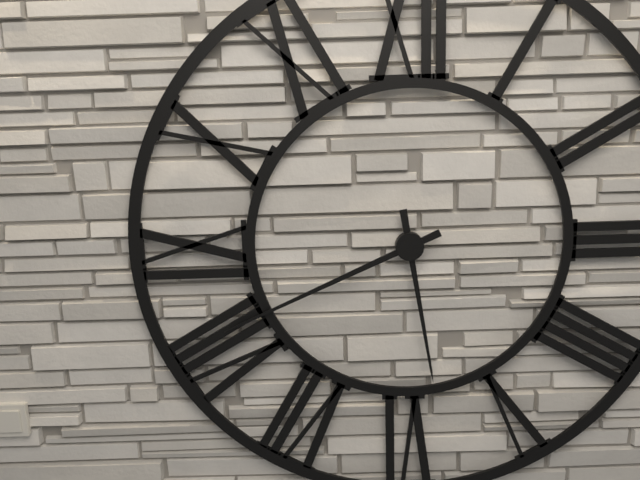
5:41
